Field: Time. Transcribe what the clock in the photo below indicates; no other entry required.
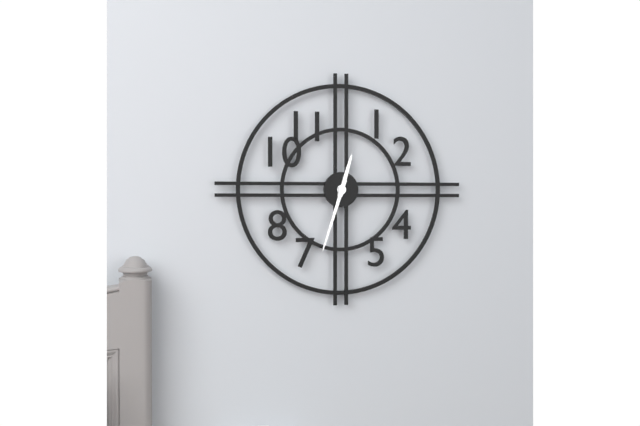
12:33
